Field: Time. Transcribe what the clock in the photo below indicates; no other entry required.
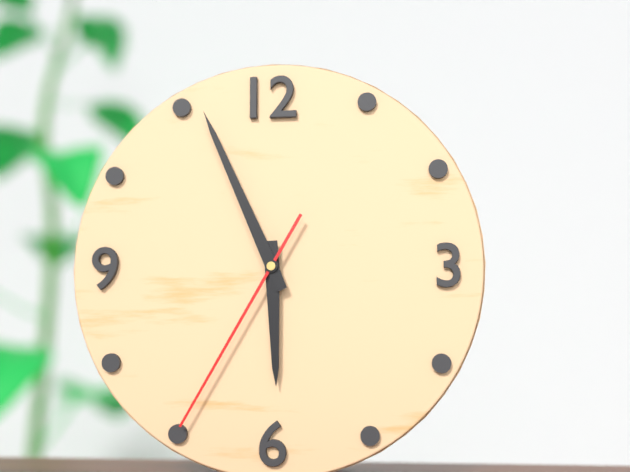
5:56:35
